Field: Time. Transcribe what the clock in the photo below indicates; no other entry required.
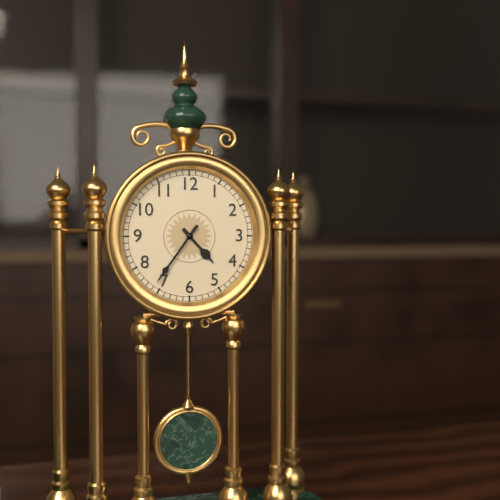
4:36
